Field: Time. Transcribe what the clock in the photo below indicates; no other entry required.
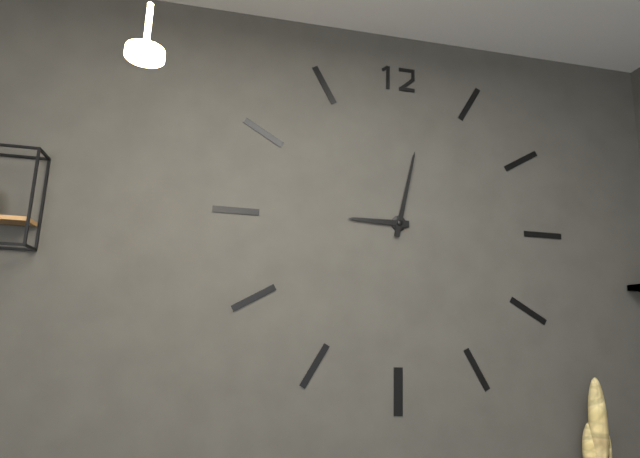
9:02
